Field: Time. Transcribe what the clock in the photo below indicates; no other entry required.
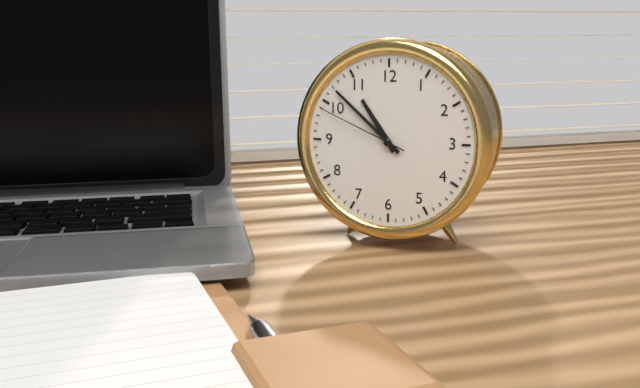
10:52:49
